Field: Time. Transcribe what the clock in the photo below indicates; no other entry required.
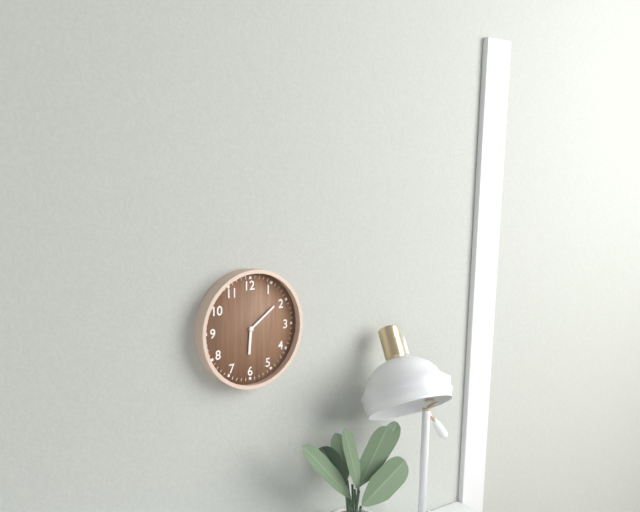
6:09
